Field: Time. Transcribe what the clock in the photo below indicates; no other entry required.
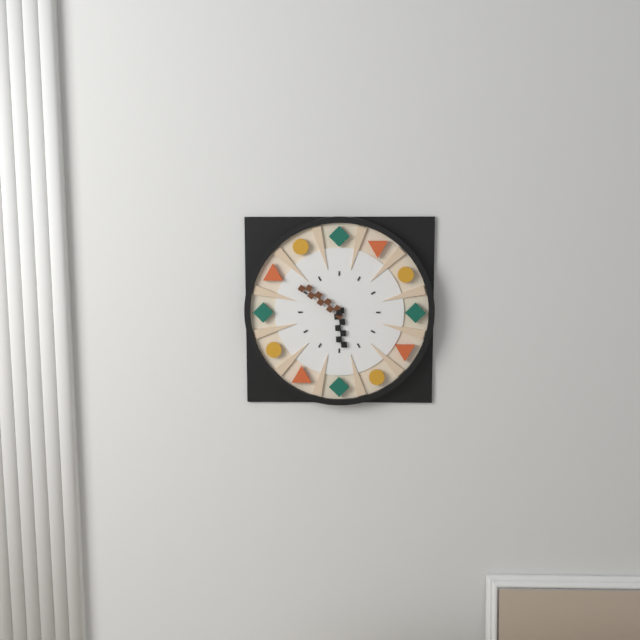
5:51
